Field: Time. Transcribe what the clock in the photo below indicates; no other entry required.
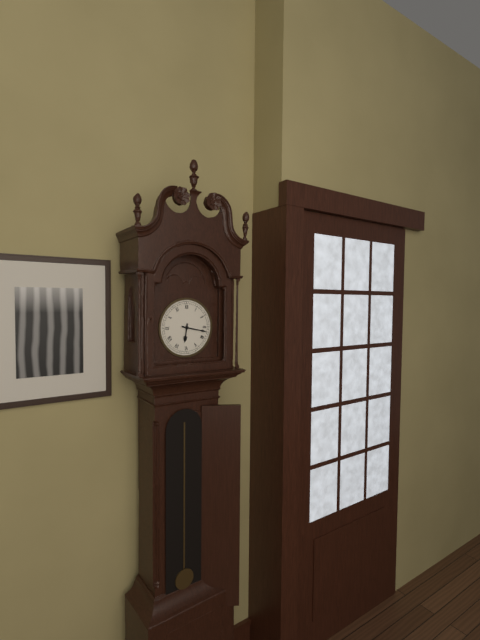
6:17
